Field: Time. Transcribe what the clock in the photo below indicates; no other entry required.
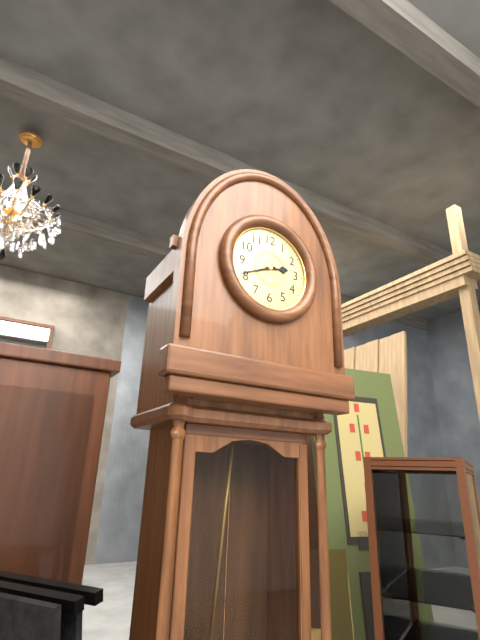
2:41
